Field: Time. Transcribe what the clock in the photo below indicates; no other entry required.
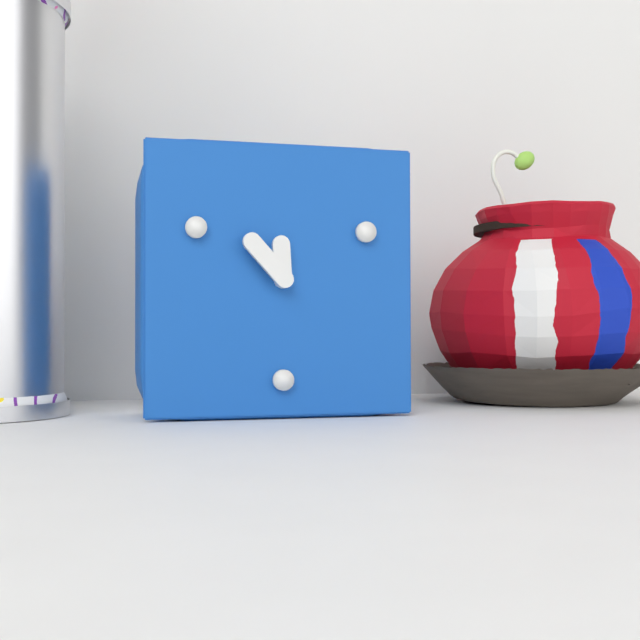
11:53
